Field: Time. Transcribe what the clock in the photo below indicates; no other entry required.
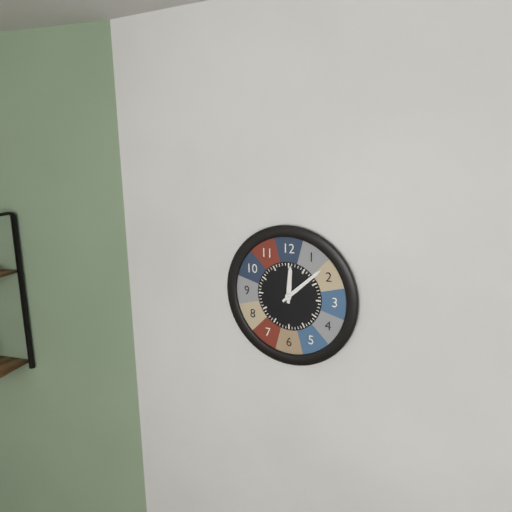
12:08
